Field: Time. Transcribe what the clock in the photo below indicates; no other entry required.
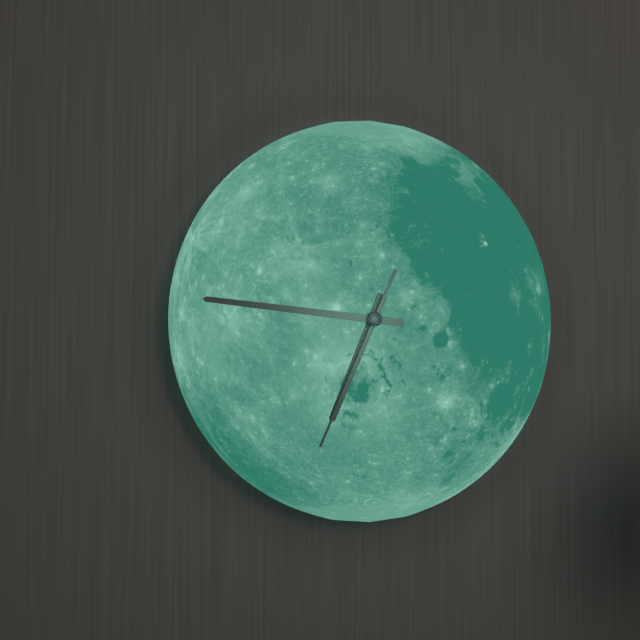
6:46:34
